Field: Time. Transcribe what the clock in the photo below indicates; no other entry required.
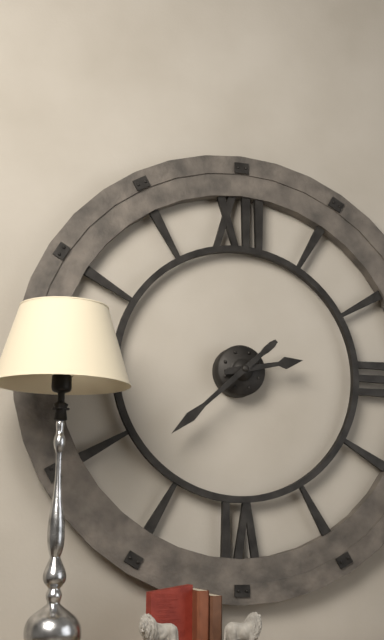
2:38
